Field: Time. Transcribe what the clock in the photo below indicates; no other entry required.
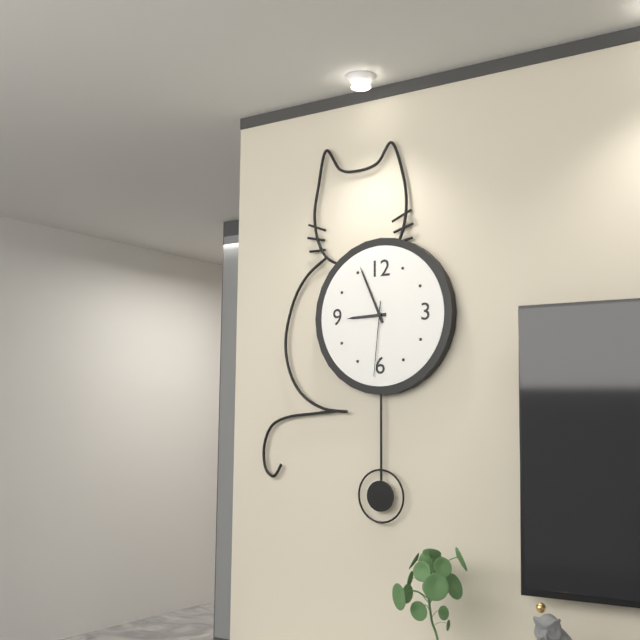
8:56:31
